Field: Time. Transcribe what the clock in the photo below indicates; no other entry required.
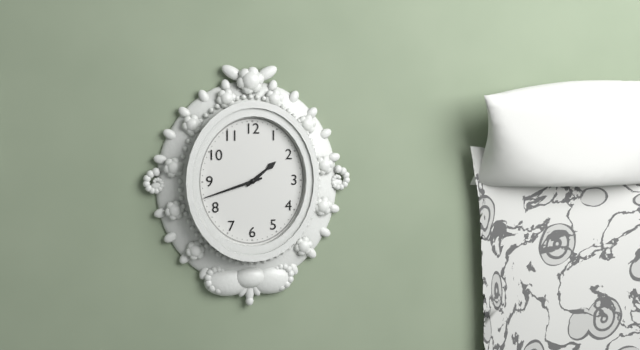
1:42
